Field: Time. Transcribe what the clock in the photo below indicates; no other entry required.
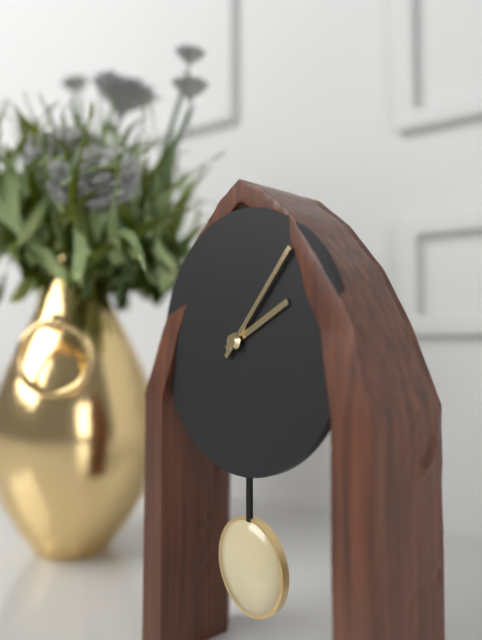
2:07
